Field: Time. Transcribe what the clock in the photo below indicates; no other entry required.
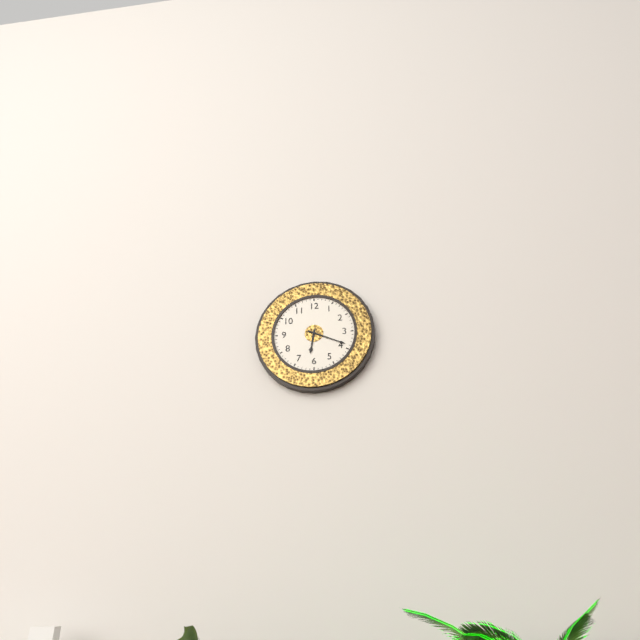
6:19
